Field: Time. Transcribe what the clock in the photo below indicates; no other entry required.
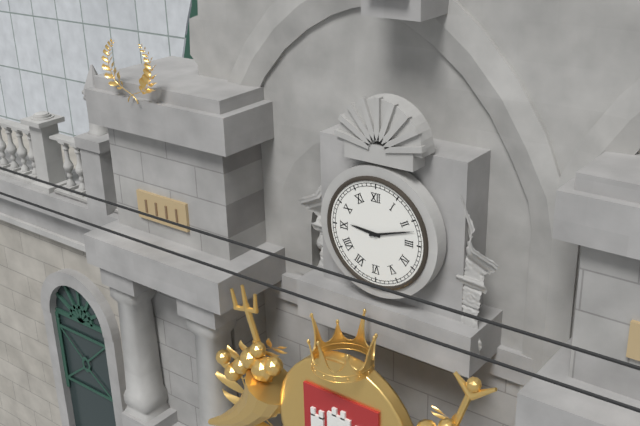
9:12
